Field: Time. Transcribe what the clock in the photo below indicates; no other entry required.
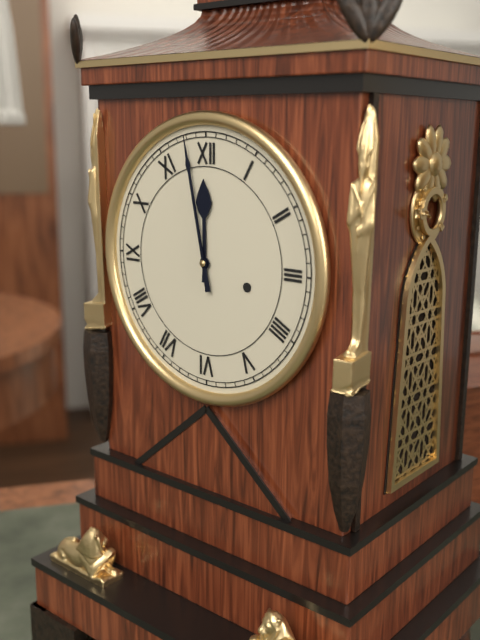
11:58
